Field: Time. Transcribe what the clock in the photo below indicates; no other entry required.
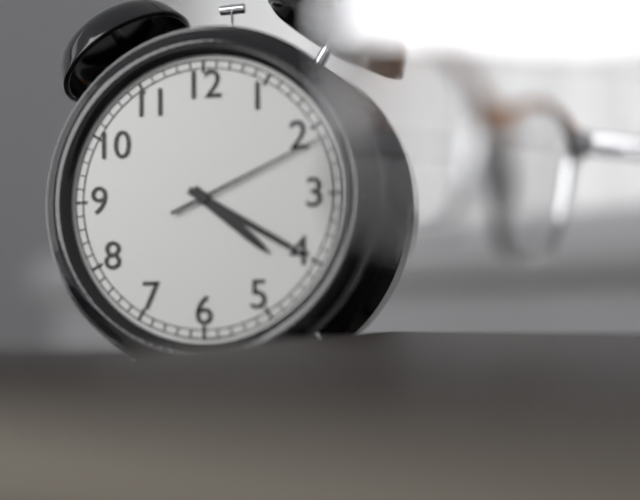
4:20:11
